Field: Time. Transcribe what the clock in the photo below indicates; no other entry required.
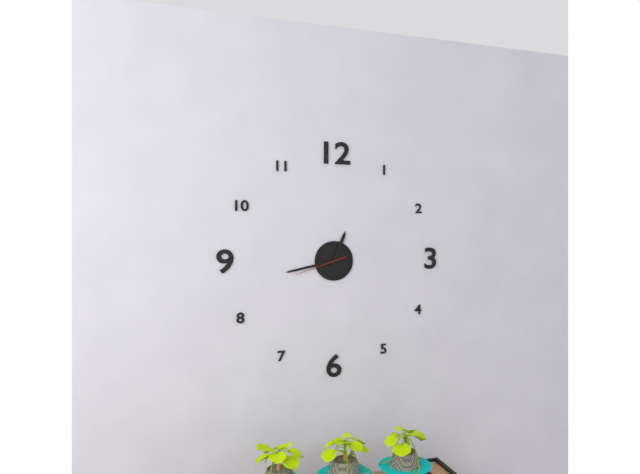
12:43:42
